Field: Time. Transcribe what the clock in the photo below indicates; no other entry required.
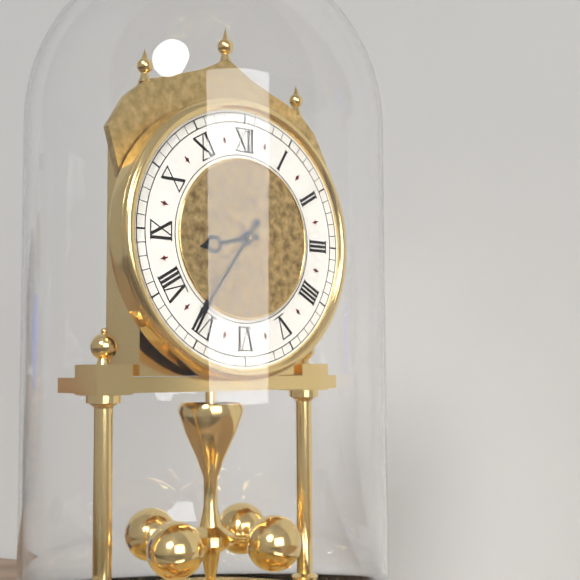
8:36
